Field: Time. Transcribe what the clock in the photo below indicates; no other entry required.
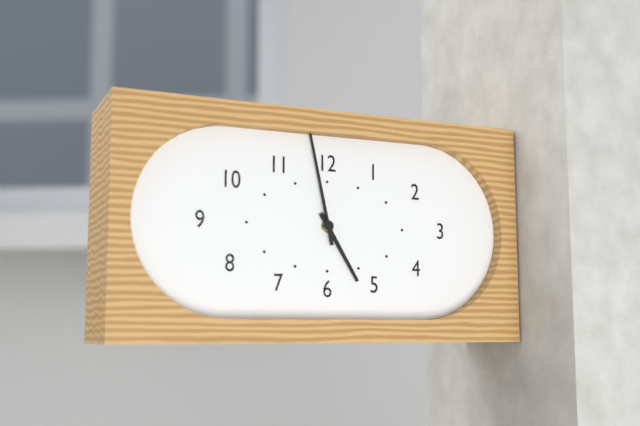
4:58
